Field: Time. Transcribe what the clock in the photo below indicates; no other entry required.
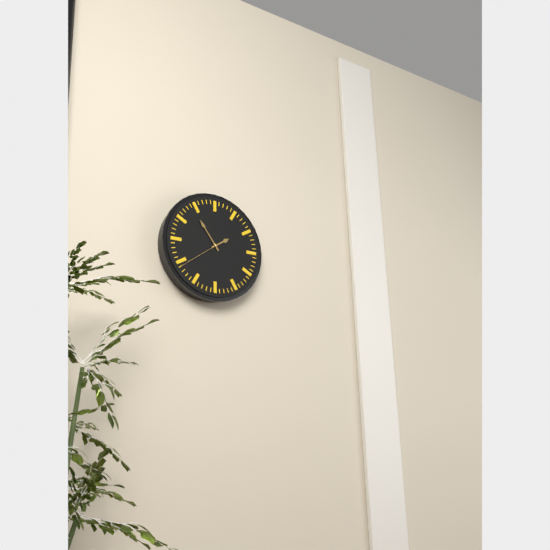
1:54
